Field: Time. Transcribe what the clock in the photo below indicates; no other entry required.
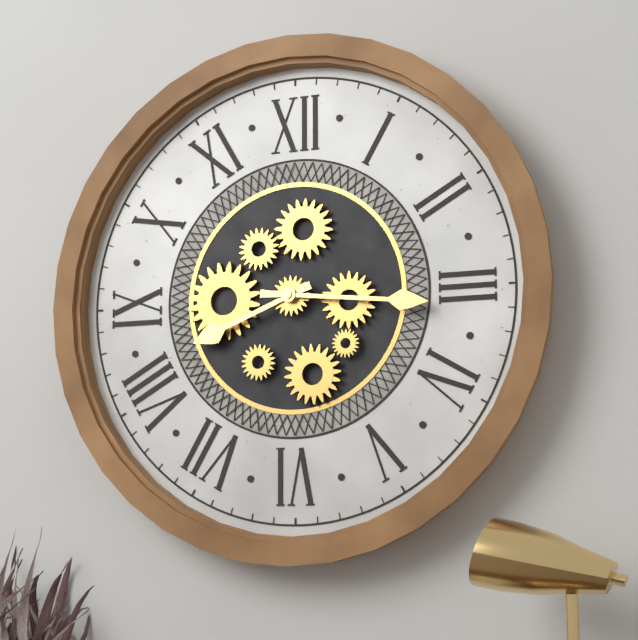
8:16
